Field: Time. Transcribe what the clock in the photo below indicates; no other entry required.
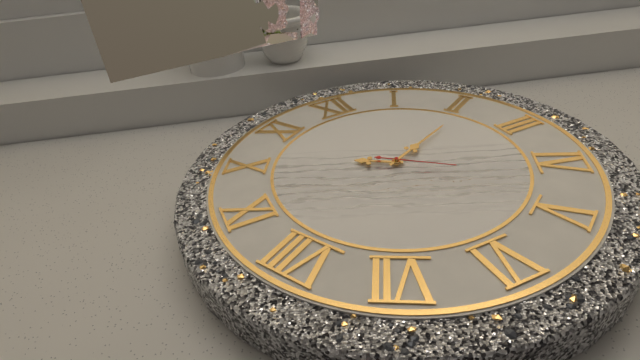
10:11:22
